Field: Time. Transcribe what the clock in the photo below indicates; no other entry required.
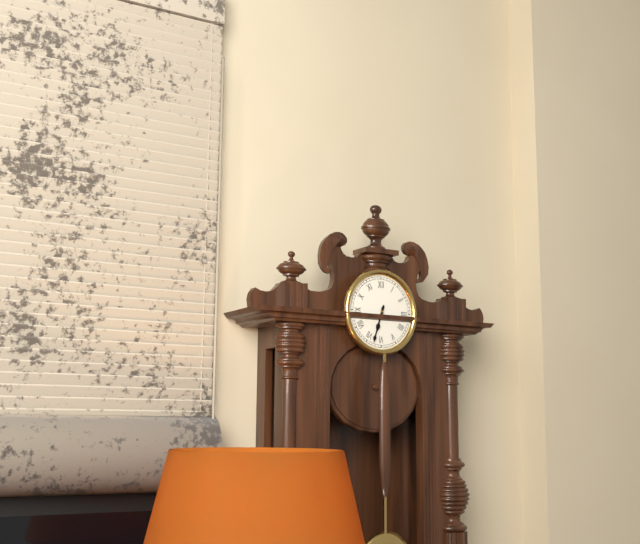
6:33
